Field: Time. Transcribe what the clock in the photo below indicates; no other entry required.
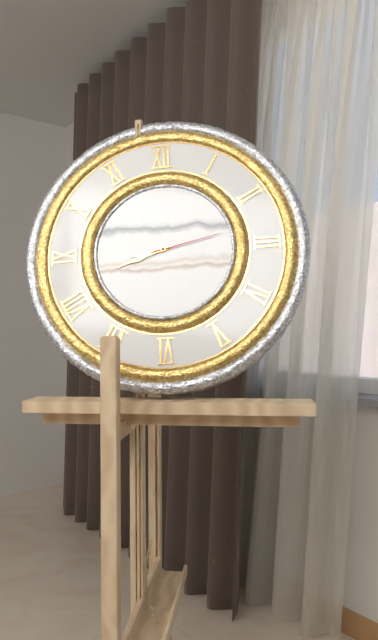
8:42:13
